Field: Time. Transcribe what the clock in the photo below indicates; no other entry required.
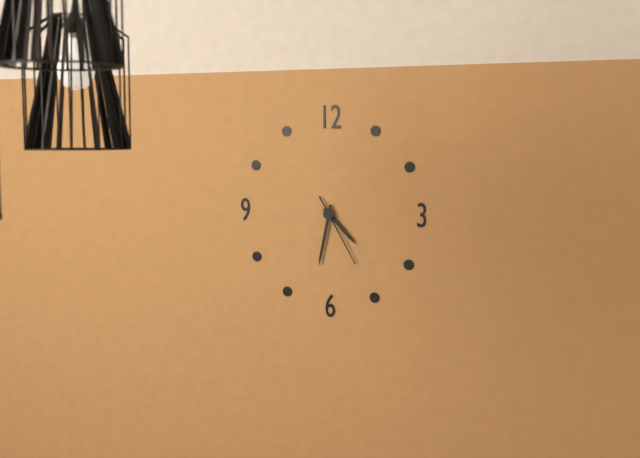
4:32:25
